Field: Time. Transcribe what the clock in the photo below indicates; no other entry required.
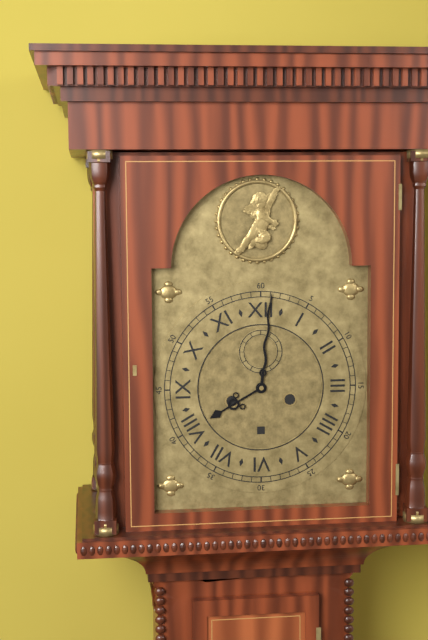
8:01
